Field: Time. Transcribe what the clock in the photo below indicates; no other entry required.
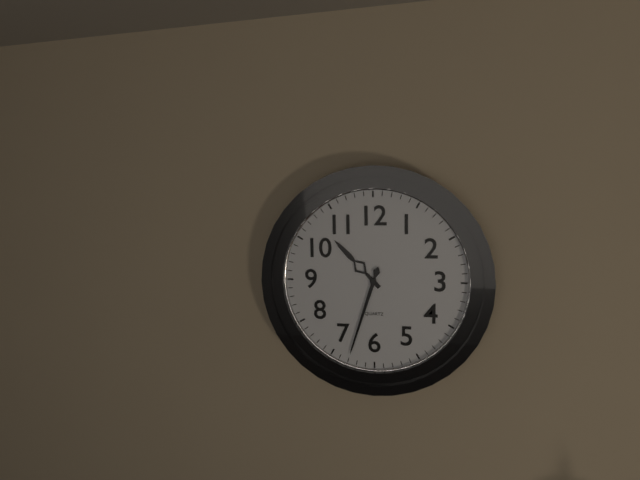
10:33
